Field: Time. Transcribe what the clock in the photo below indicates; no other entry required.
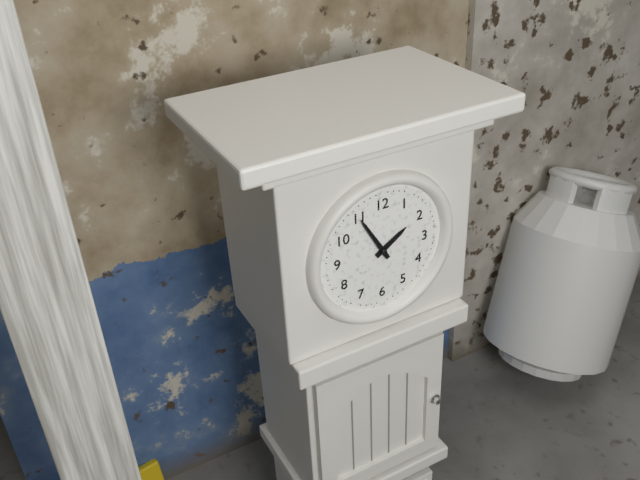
1:55
